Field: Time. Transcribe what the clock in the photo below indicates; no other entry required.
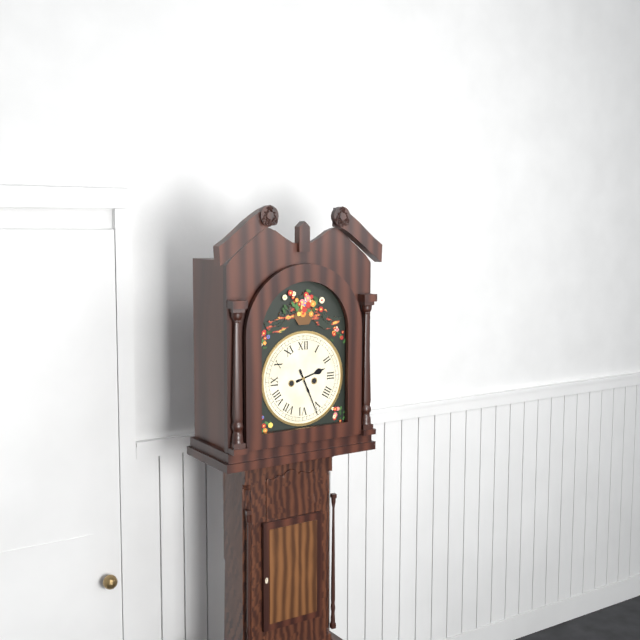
2:26
